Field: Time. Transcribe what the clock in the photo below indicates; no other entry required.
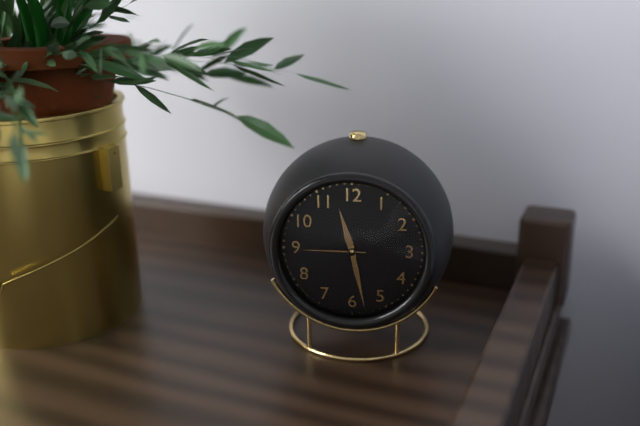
11:28:45
